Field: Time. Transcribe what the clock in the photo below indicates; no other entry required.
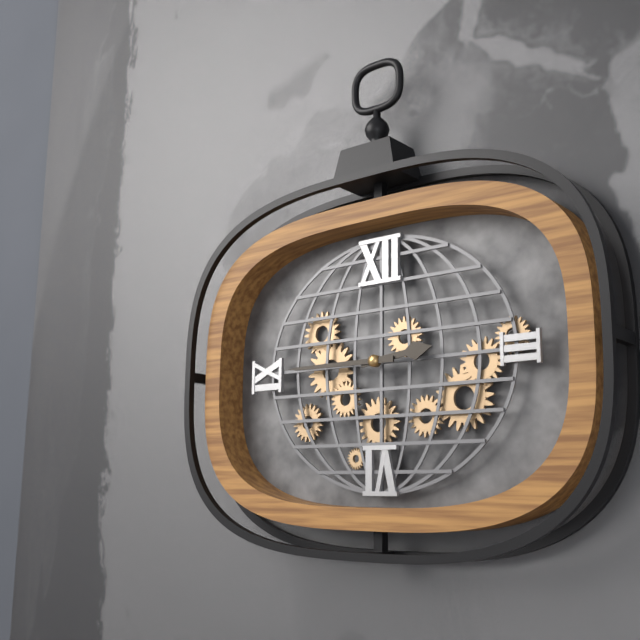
2:45
